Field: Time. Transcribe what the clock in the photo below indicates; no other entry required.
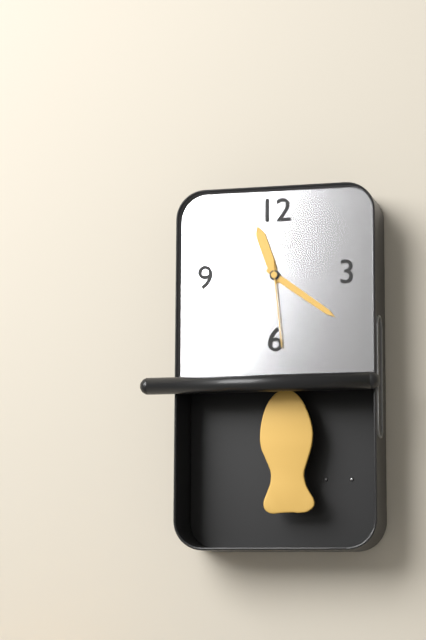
11:21:29
